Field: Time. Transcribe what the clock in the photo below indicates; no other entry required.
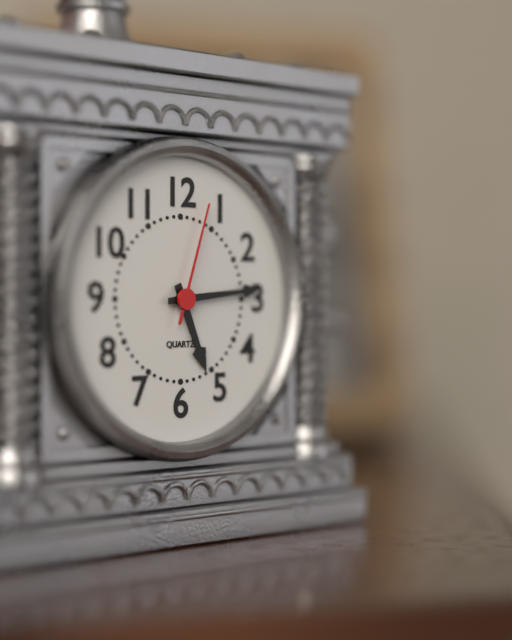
5:14:03
